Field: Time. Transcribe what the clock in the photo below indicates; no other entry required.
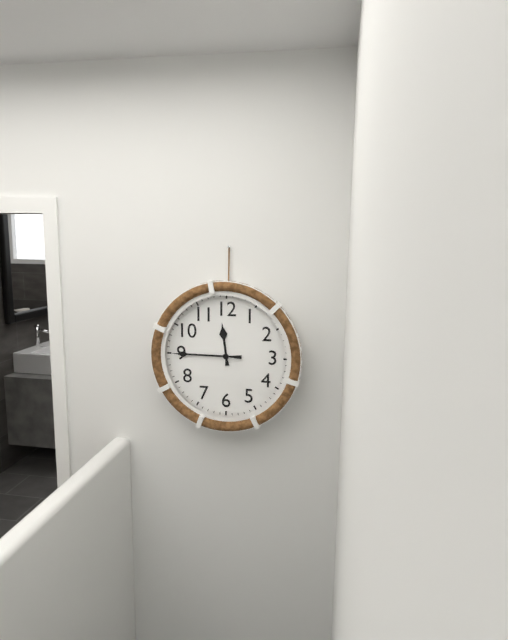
11:45
